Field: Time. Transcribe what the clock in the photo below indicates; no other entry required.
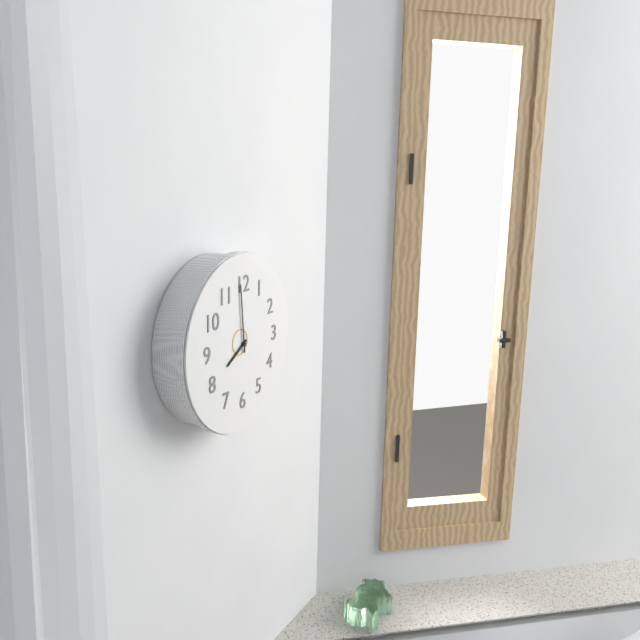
7:59
